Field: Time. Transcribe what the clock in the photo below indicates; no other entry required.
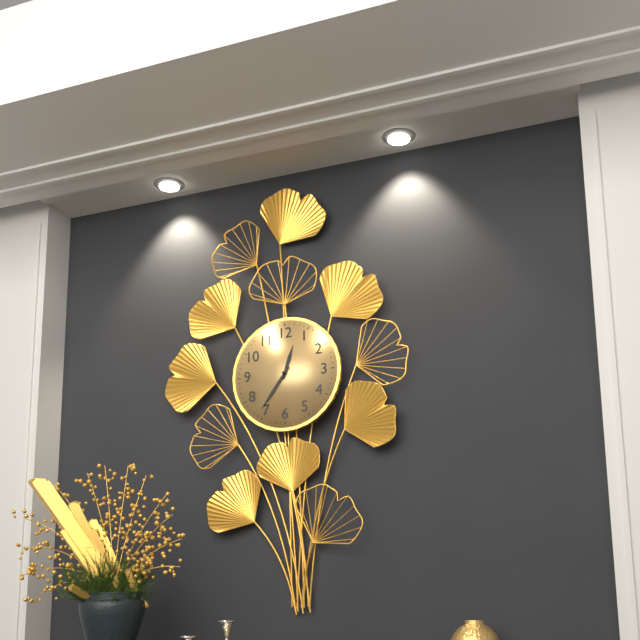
12:36
